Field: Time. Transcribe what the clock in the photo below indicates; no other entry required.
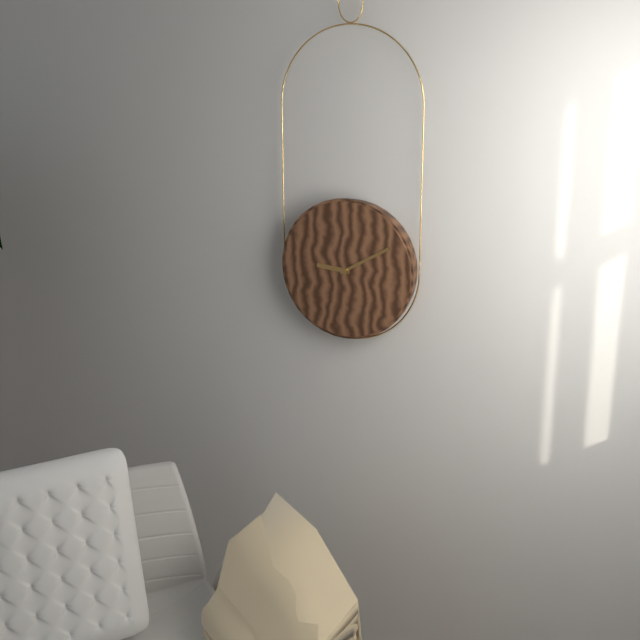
9:10
